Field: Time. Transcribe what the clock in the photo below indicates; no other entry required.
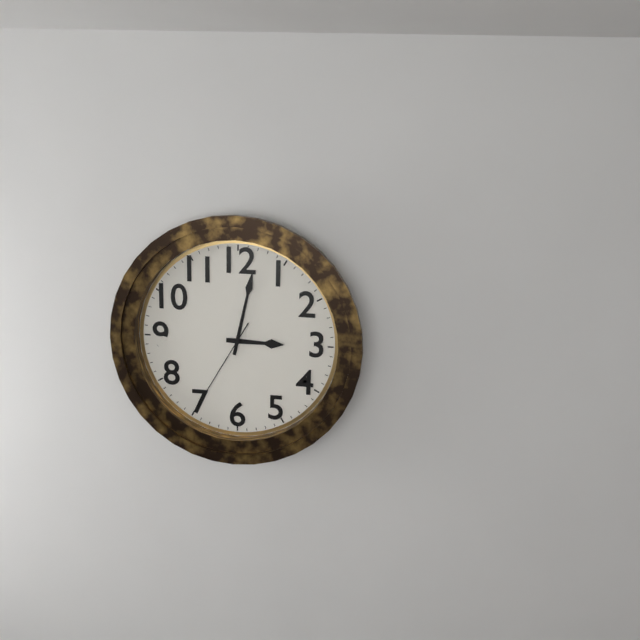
3:02:35
